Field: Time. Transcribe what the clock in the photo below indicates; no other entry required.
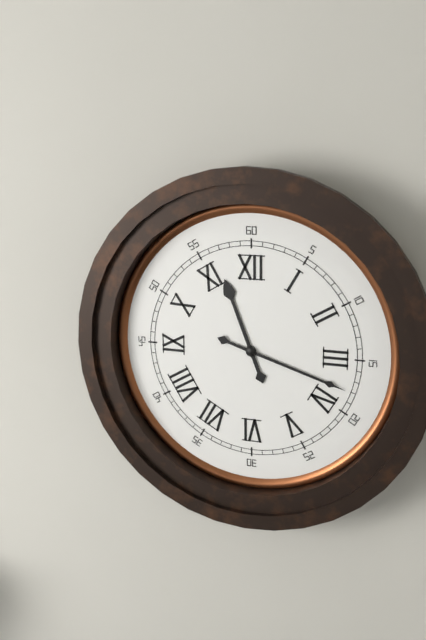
11:18
